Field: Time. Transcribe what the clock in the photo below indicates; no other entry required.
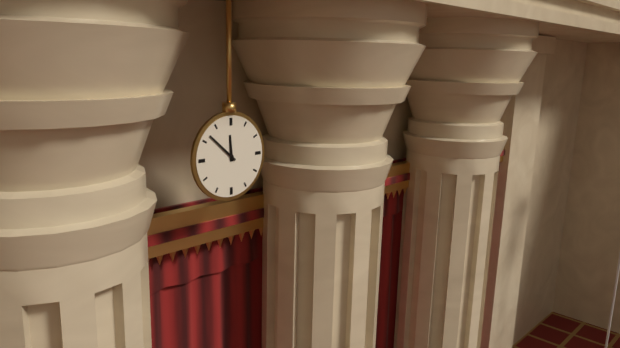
11:52
